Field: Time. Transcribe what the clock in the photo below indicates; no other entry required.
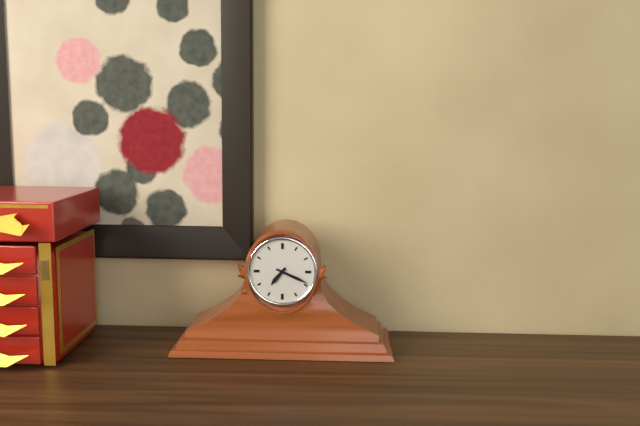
7:19
